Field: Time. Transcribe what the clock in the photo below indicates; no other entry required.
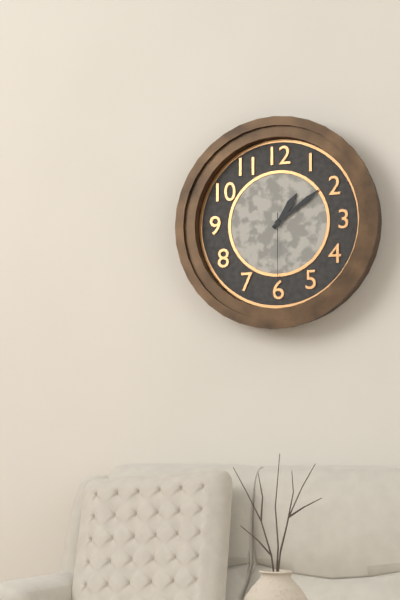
1:09:30
